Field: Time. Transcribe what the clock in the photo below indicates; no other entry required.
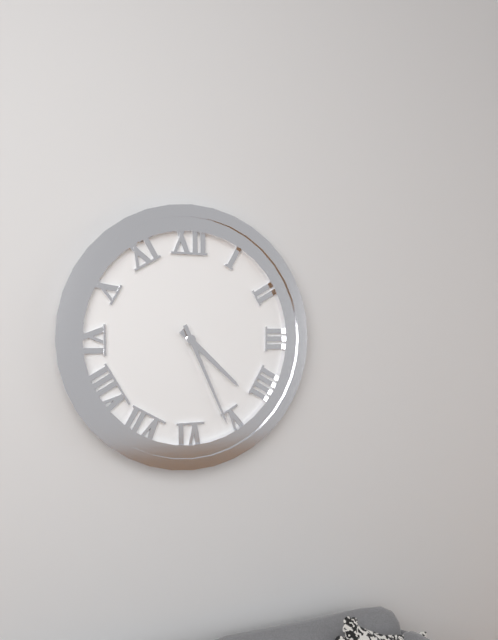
4:26
